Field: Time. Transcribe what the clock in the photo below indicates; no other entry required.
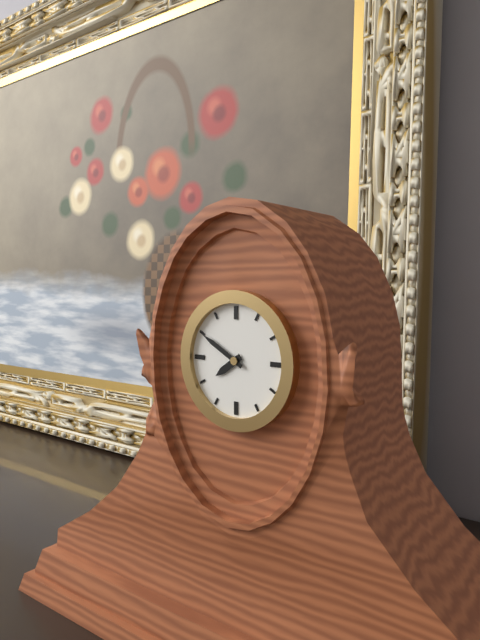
7:50
